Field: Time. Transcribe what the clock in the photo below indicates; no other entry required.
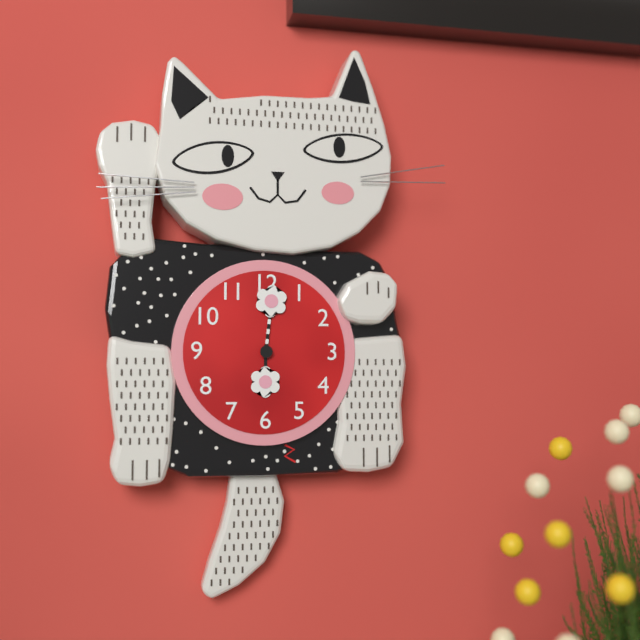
6:01
